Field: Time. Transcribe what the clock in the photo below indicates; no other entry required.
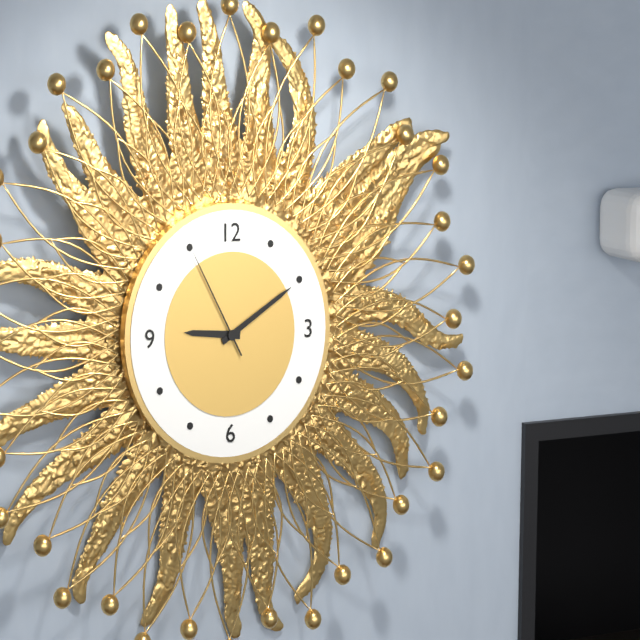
9:10:55
